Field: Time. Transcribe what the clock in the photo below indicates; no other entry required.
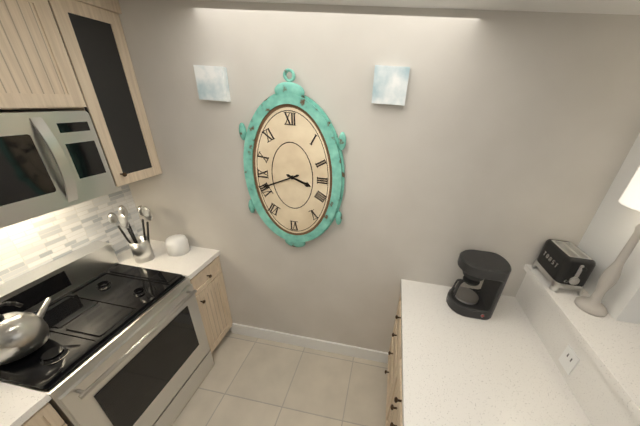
3:41
